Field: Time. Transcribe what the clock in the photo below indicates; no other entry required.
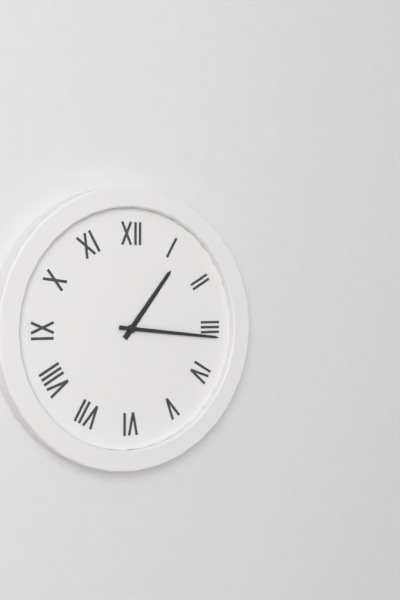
1:16
